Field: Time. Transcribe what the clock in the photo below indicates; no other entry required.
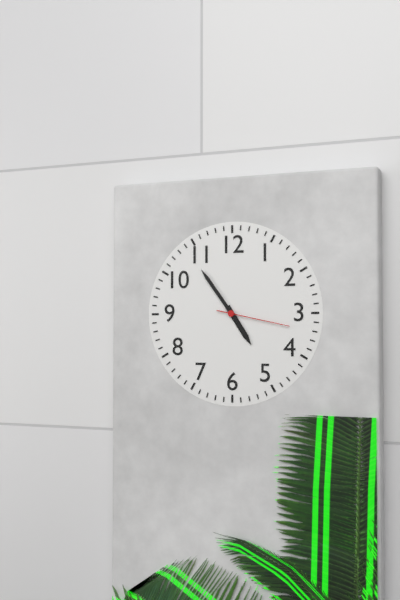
4:54:17
